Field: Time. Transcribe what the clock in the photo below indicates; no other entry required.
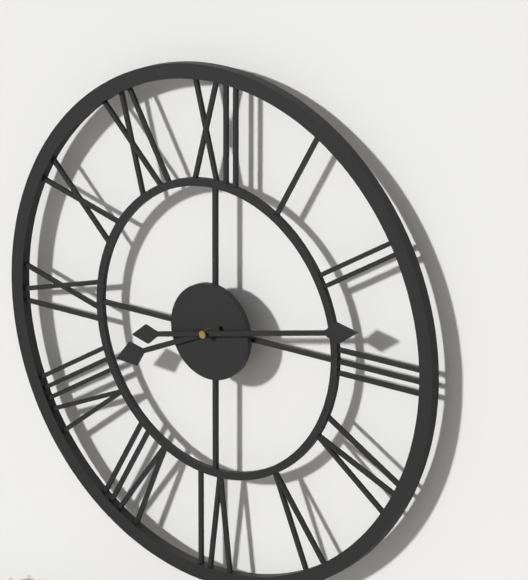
8:13
